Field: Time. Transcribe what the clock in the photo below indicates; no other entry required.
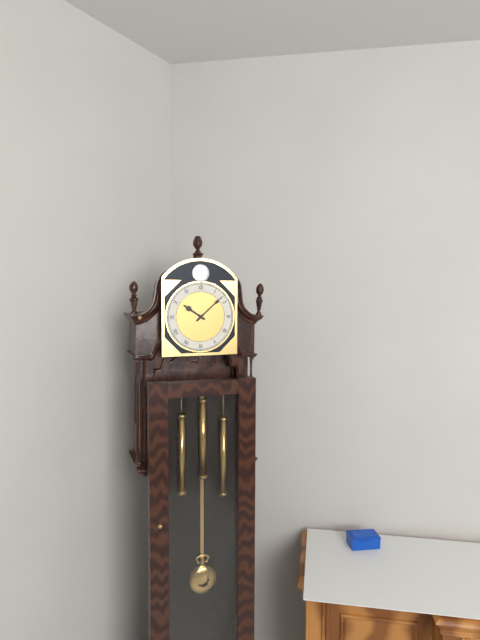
10:08
